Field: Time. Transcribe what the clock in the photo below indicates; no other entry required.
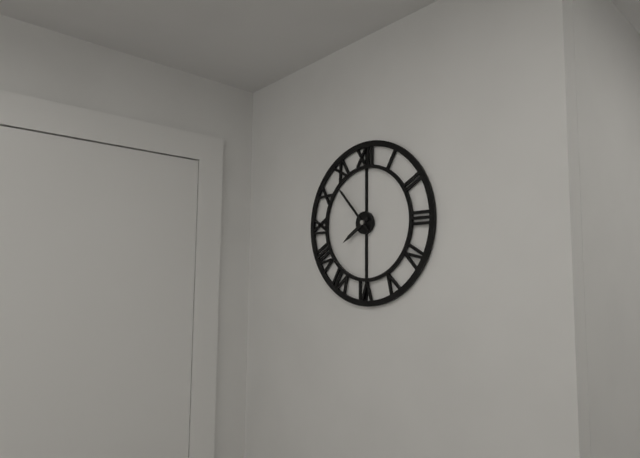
7:53
